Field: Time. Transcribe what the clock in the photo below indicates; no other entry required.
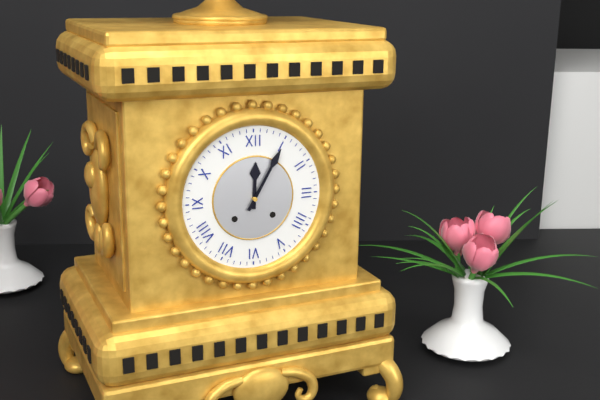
12:05
